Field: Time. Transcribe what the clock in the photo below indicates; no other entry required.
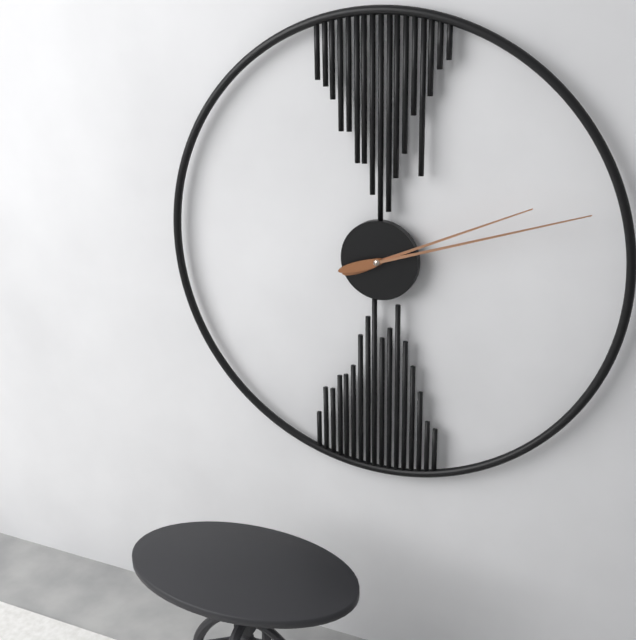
2:12
